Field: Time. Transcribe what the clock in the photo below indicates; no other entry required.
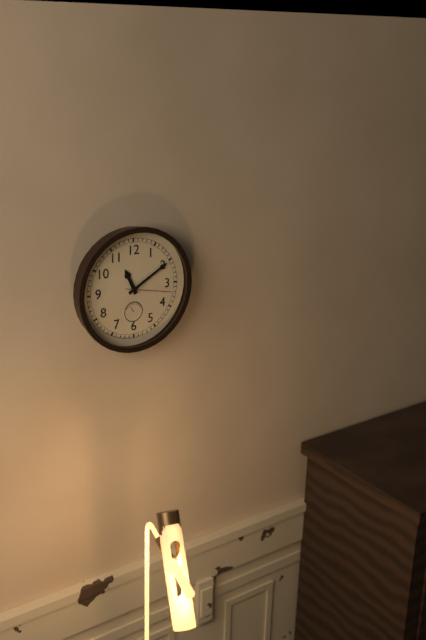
11:10
